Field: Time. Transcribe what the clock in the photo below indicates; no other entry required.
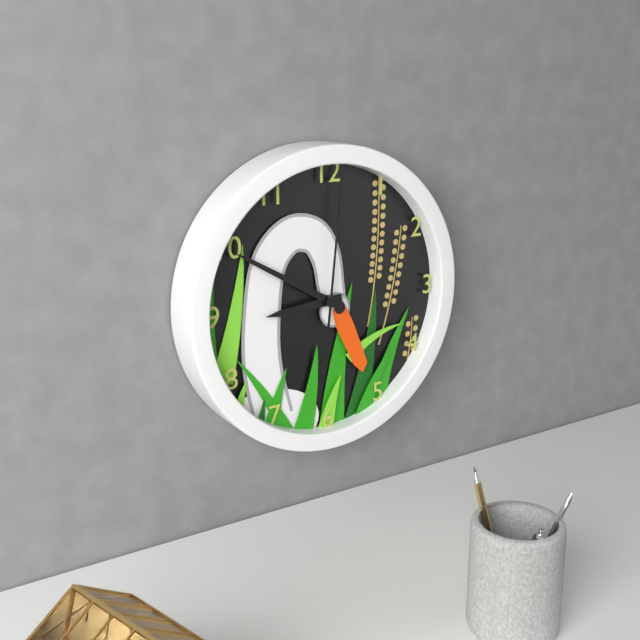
8:50:01
